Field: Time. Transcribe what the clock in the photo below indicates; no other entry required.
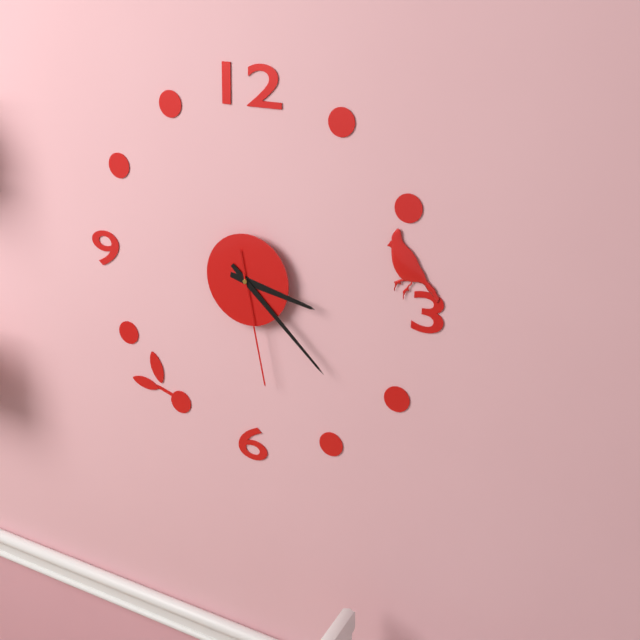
3:22:28
